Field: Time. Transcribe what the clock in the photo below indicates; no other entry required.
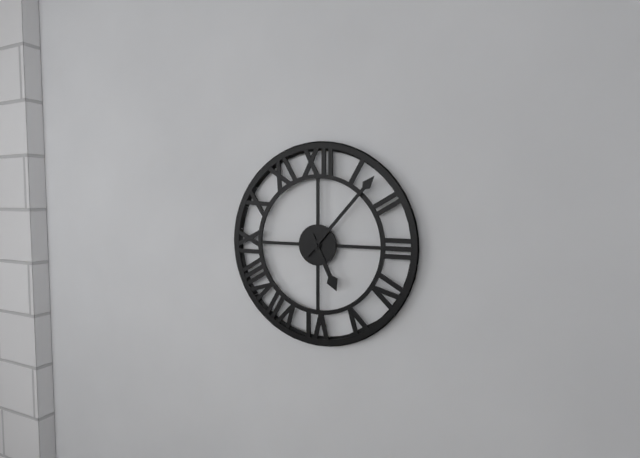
5:07
